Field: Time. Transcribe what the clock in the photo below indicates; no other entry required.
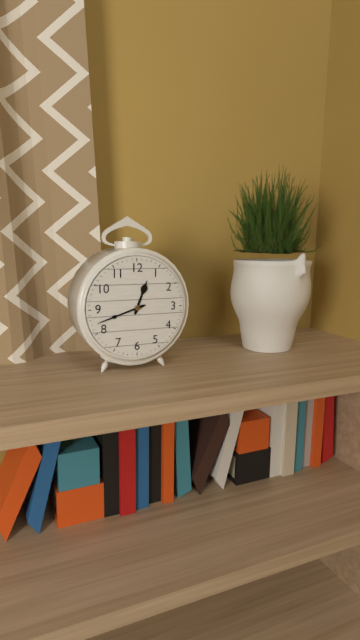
12:42
